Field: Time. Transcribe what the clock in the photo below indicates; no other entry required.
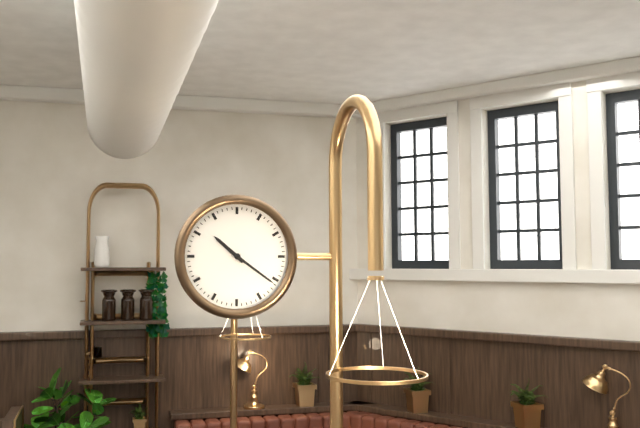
10:21
